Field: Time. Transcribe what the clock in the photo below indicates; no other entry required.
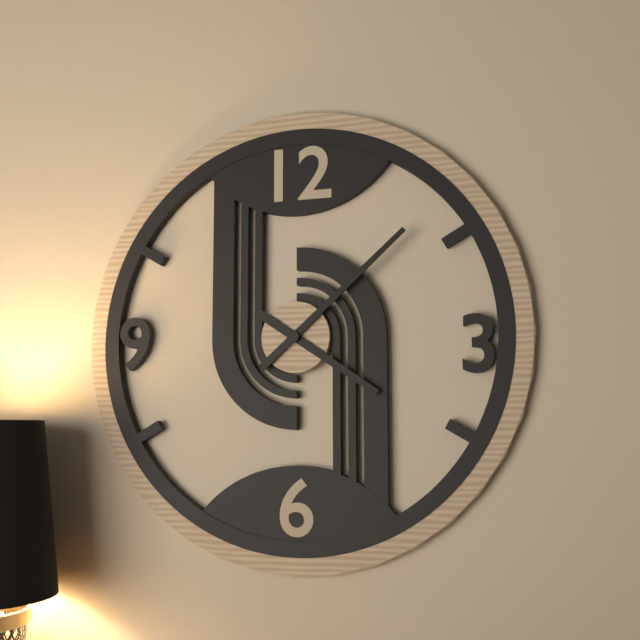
4:08
